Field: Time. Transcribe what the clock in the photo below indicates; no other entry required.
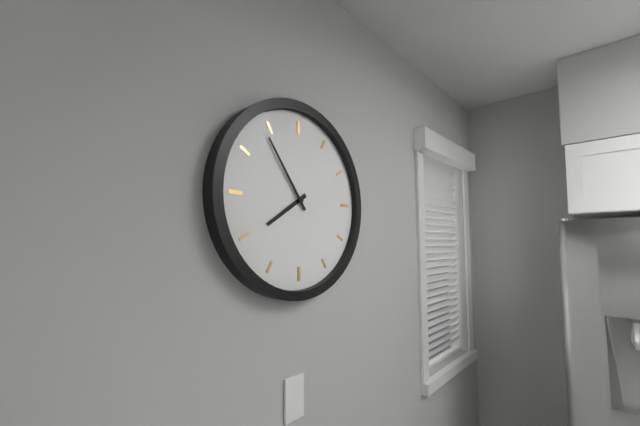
7:54
